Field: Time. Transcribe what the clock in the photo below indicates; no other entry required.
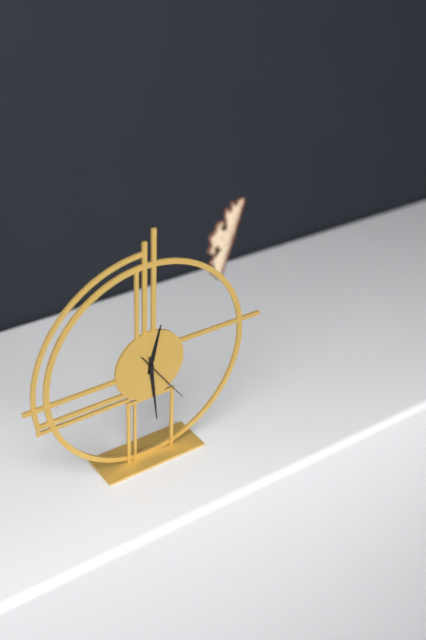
12:29:24
